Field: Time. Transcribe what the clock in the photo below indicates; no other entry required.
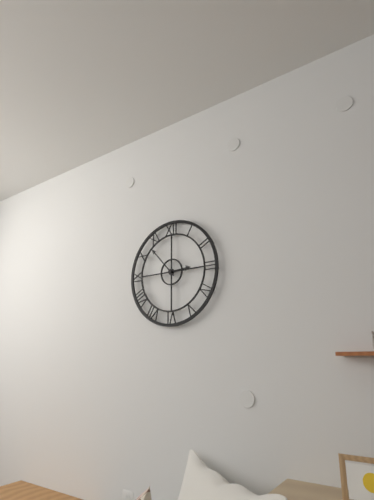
2:53
